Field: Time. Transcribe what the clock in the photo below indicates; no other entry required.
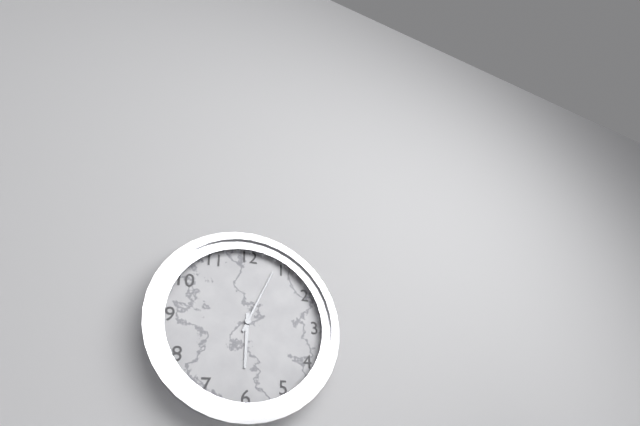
6:04
